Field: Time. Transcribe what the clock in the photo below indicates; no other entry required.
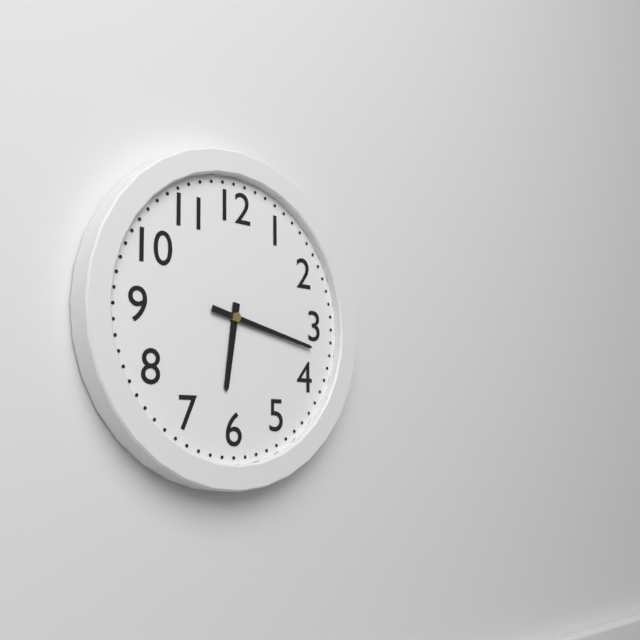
6:17
